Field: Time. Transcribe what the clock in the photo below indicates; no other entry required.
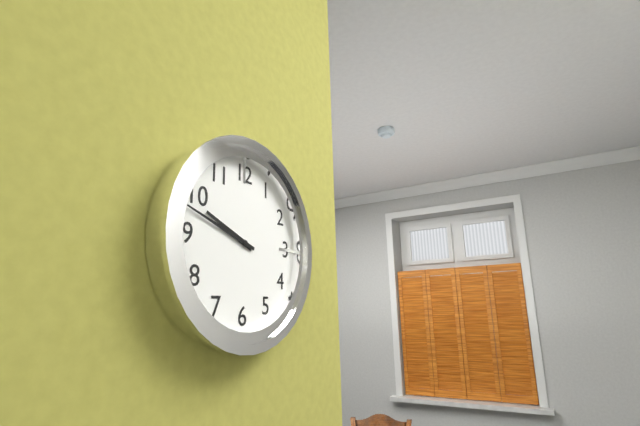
9:48
